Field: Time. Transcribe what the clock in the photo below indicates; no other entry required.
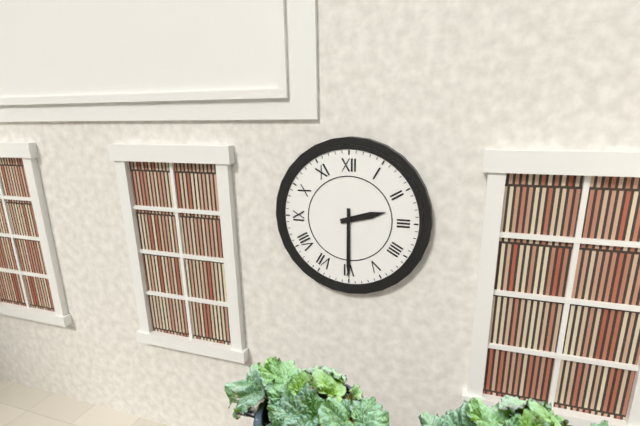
2:30
